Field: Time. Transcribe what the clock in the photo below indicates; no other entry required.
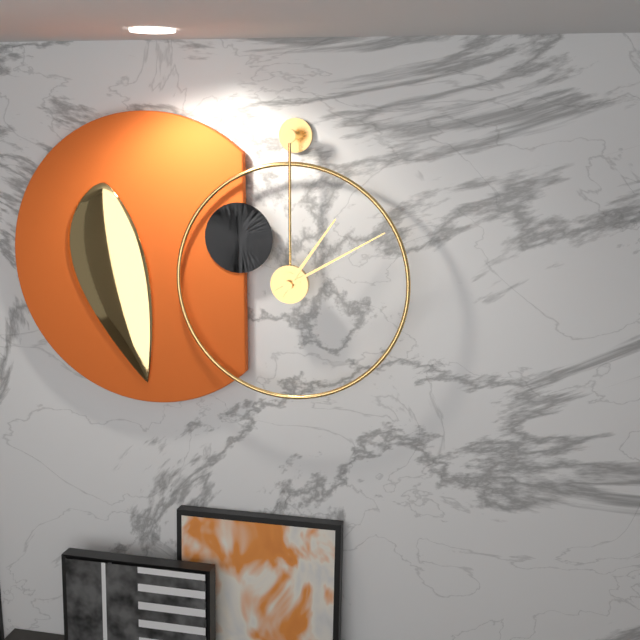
1:10
